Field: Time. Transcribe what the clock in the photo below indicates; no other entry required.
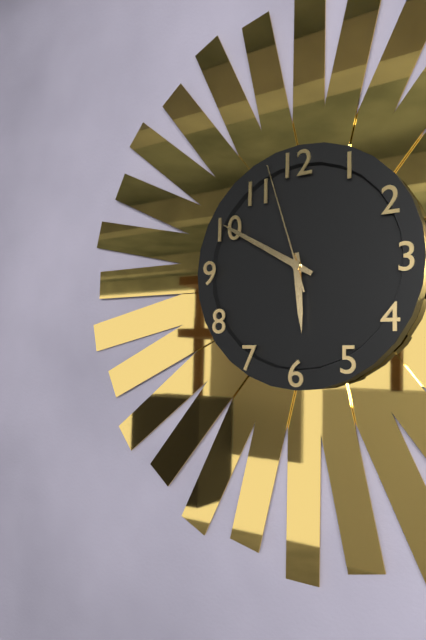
5:50:57
